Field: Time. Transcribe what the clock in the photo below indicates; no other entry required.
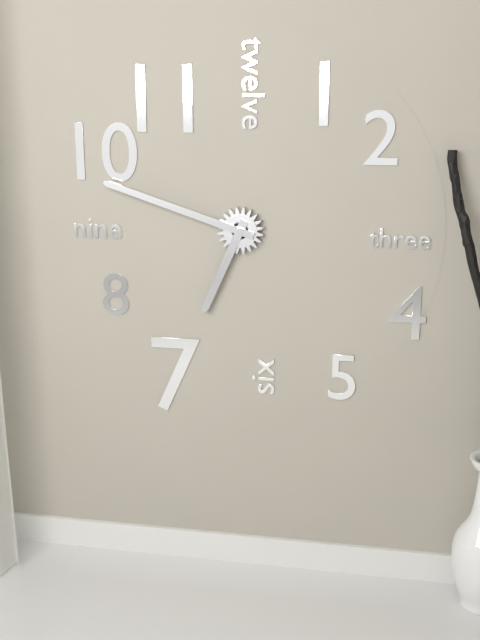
6:48
